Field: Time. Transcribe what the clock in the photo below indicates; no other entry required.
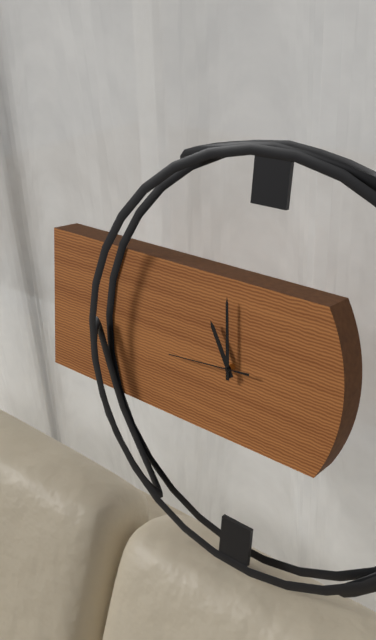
10:59:44
